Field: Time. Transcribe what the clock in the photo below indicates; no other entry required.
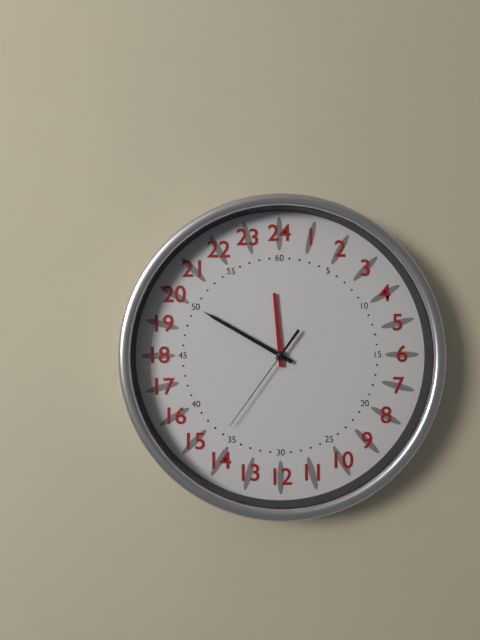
11:50:36
